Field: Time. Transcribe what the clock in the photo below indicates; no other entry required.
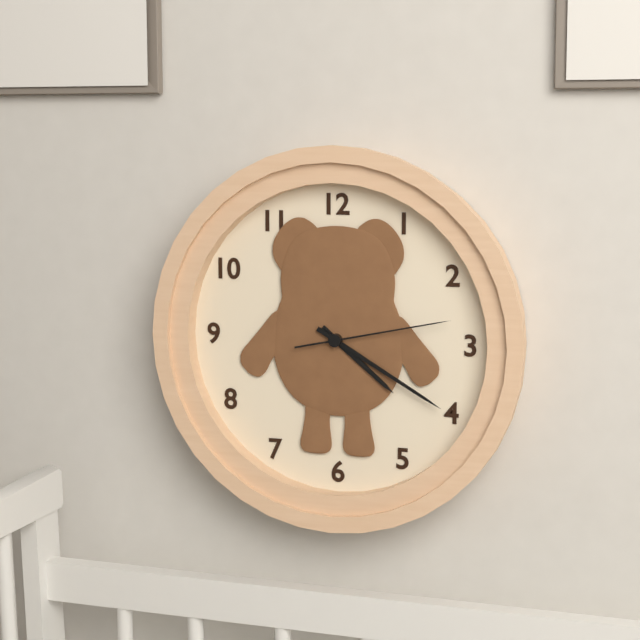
4:20:13
